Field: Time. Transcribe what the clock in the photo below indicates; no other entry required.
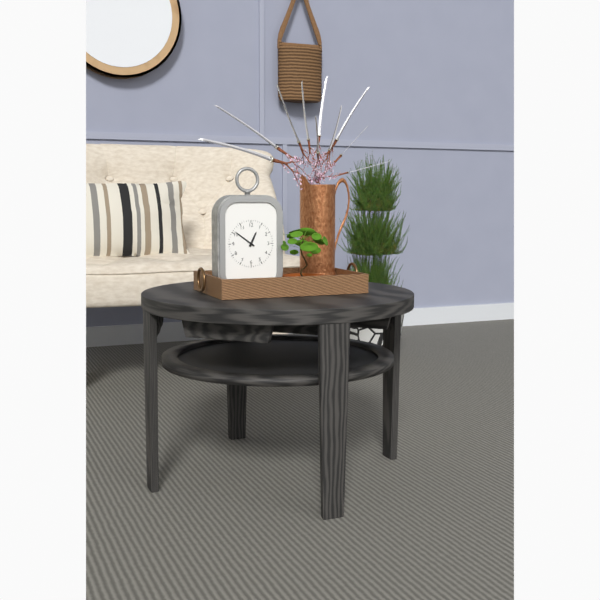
12:51
